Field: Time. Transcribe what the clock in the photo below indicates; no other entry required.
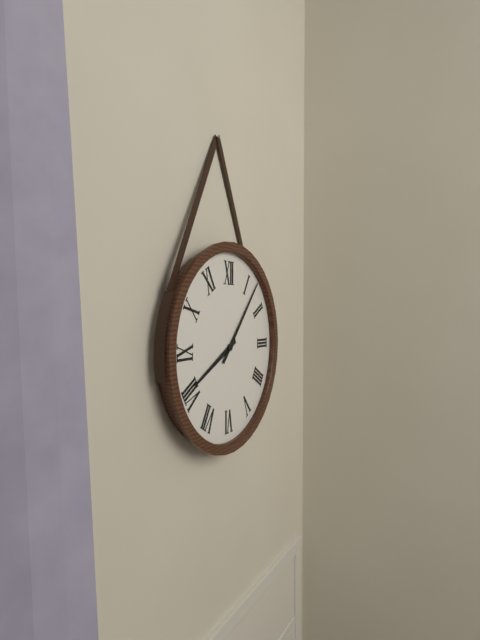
8:07
